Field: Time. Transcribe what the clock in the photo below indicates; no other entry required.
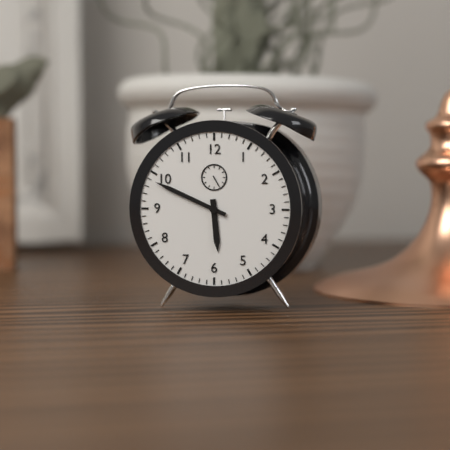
5:49
